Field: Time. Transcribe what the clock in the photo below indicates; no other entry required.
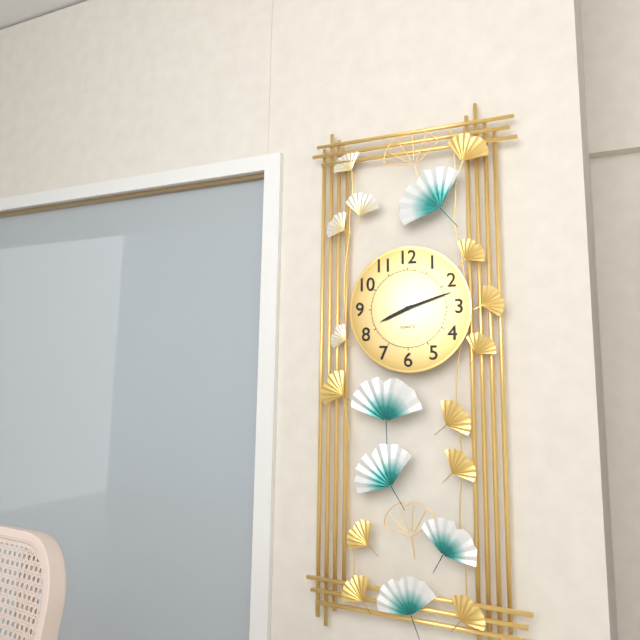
8:12
